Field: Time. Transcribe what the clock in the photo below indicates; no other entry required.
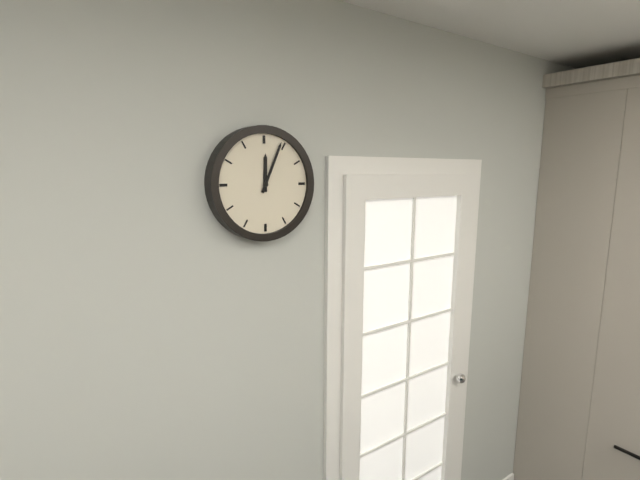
12:04
